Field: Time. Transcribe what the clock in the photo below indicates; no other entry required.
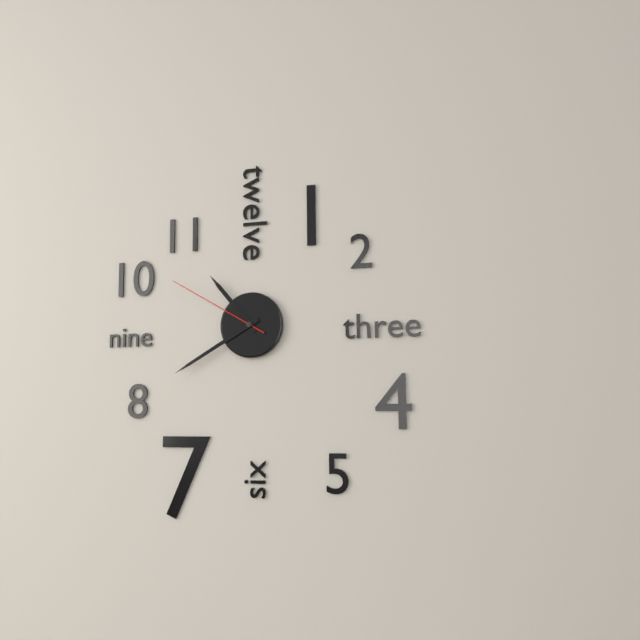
10:40:50
